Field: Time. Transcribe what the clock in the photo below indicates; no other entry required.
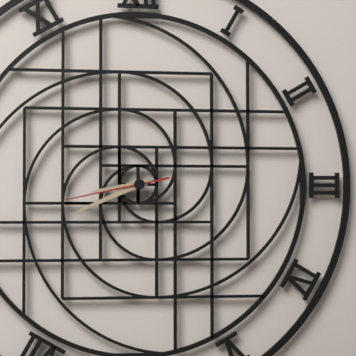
8:41:43
